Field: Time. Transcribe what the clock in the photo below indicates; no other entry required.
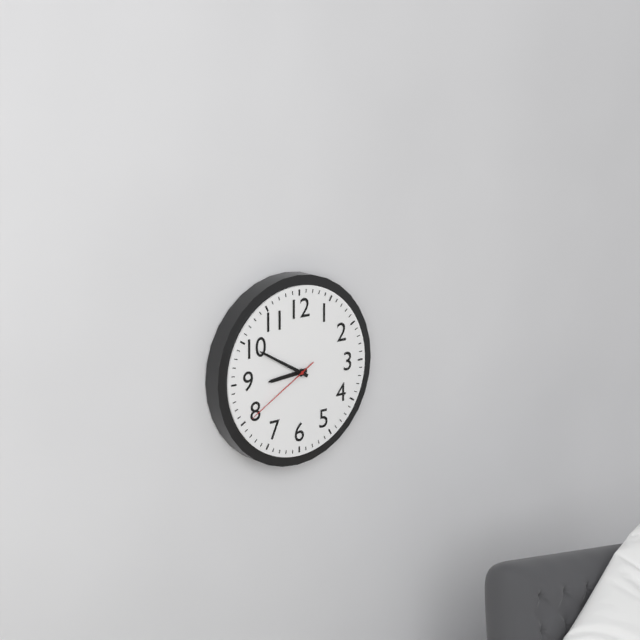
8:50:40
